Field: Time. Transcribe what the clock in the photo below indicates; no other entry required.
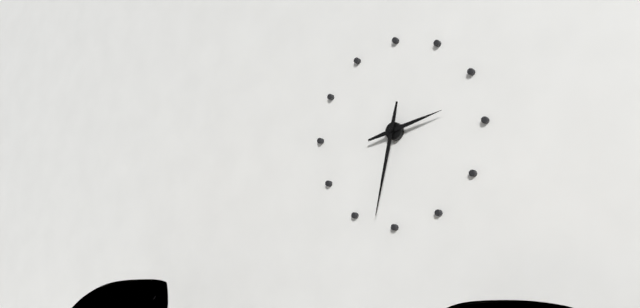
2:32
